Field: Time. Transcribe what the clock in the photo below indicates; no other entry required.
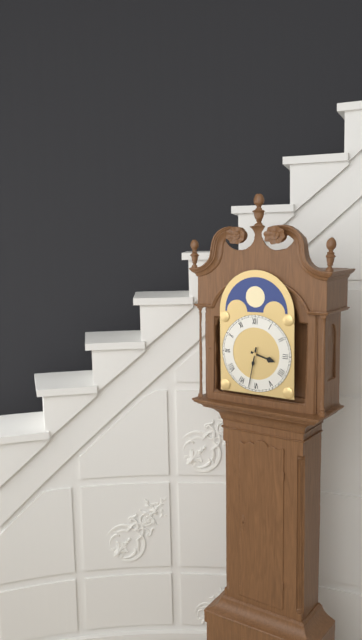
3:32
